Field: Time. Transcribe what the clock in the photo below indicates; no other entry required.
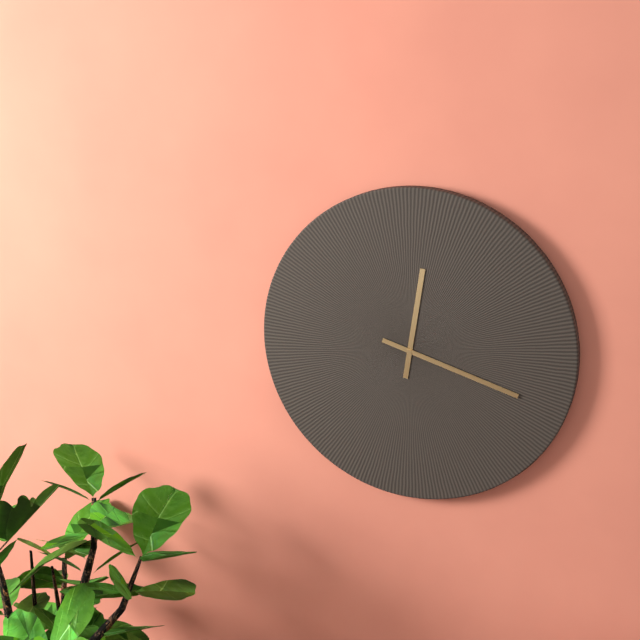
12:18
